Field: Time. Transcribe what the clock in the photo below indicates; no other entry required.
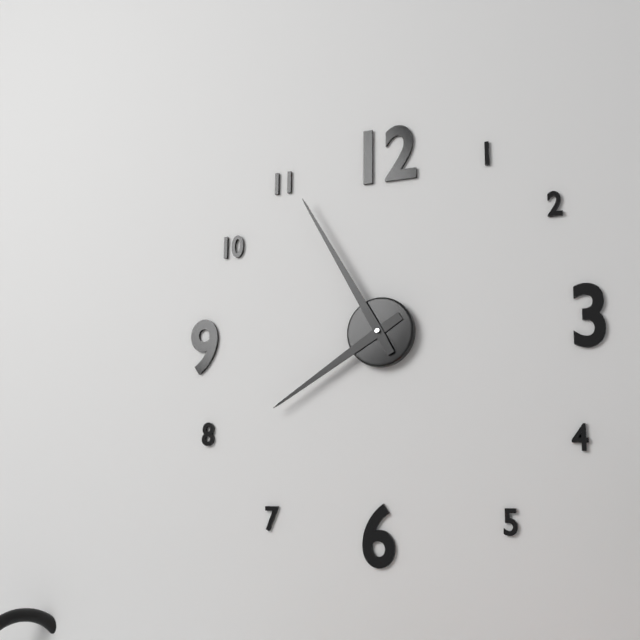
7:55
